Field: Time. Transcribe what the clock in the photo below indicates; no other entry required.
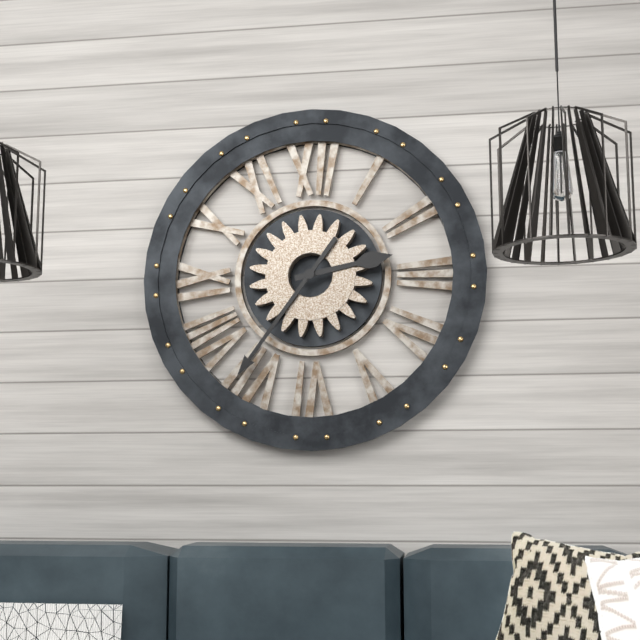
2:36
